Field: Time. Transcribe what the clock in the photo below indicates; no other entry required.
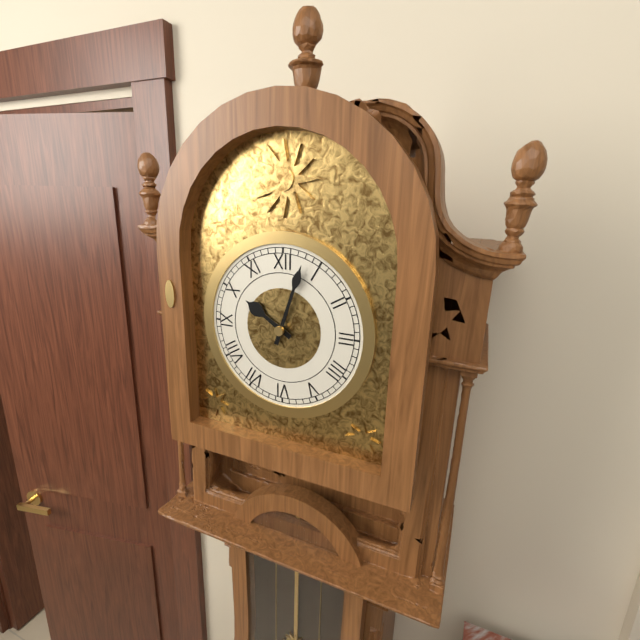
10:03
